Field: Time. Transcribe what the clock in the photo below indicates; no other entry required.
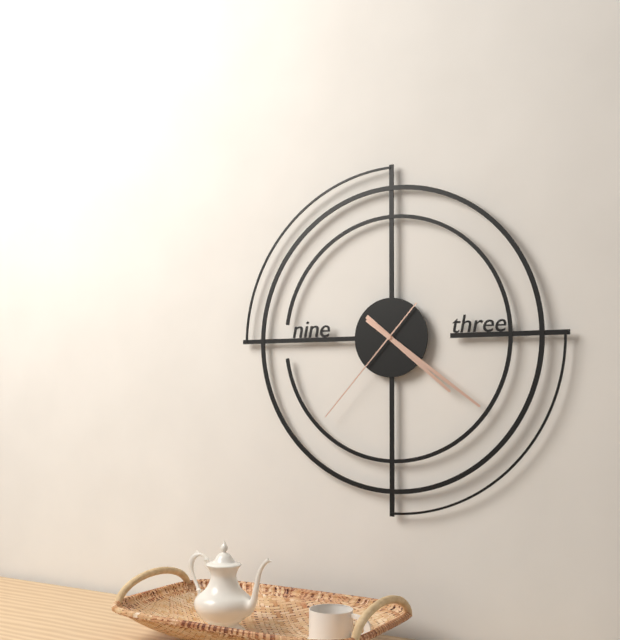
4:21:37
